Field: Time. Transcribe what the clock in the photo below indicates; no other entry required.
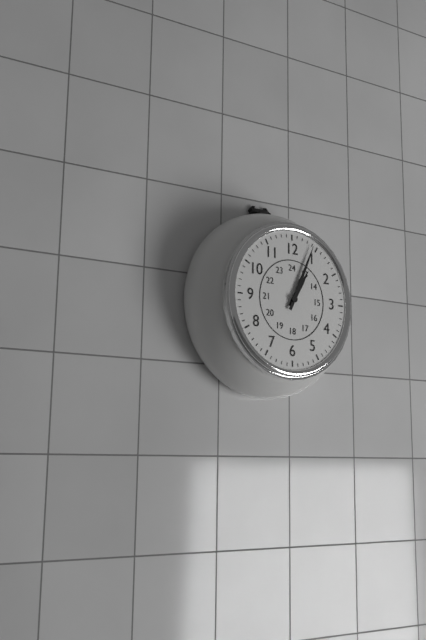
1:04
